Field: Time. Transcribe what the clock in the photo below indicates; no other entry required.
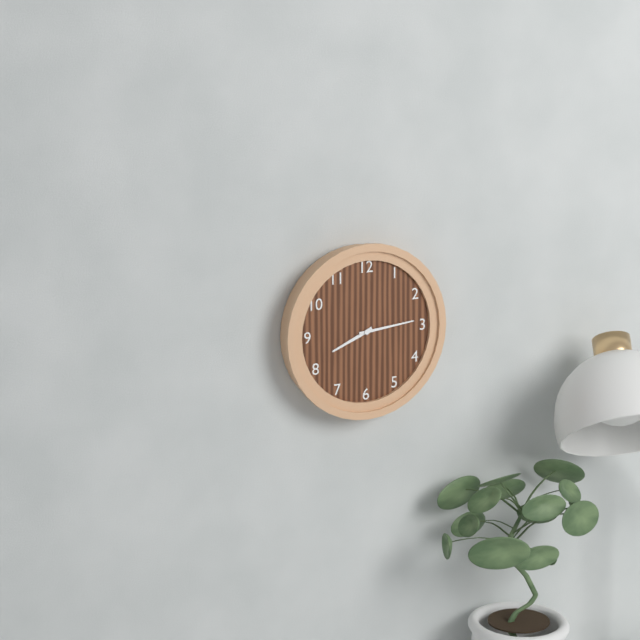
8:14
